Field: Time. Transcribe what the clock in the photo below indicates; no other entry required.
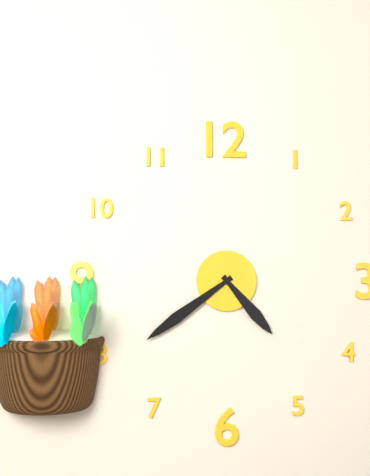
4:39
